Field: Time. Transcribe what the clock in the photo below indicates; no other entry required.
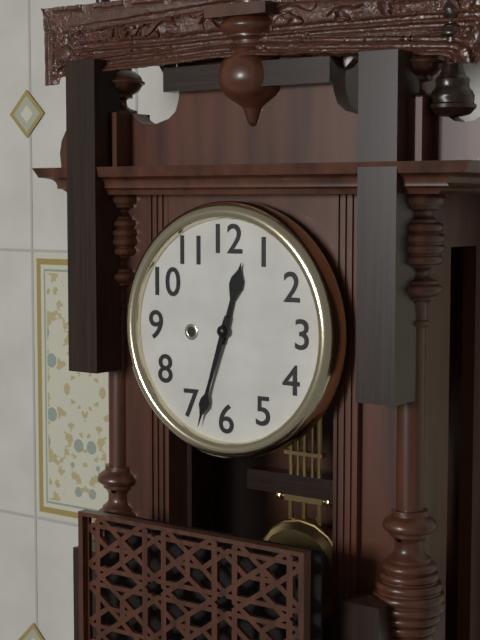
12:33
